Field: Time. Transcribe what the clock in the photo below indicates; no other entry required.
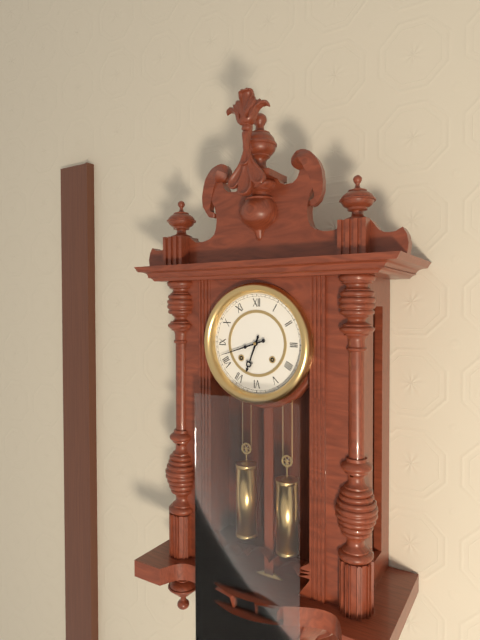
6:42
